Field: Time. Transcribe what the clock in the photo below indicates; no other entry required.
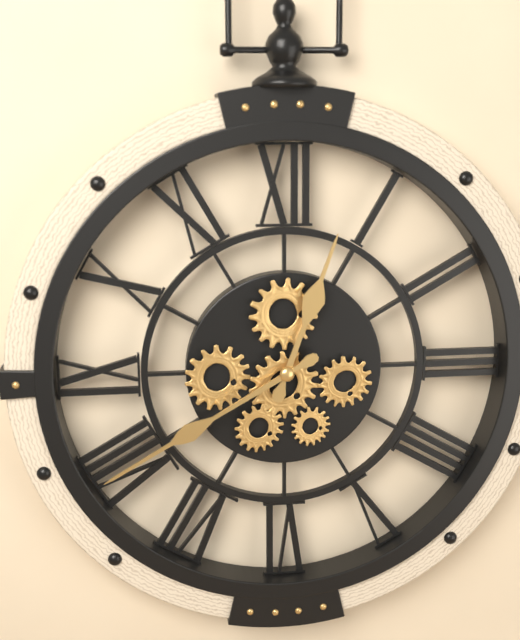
12:40
